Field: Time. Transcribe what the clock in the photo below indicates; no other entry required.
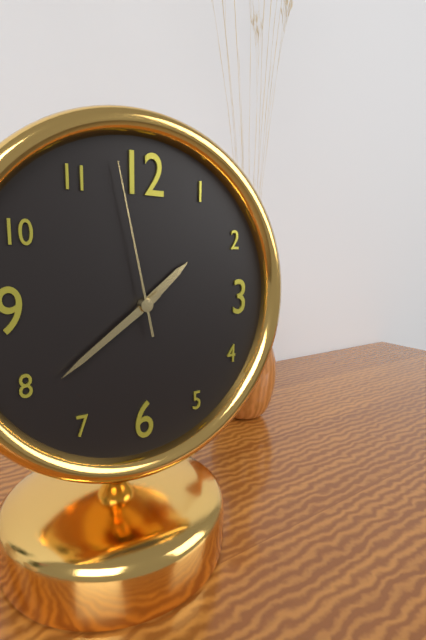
1:39:58
